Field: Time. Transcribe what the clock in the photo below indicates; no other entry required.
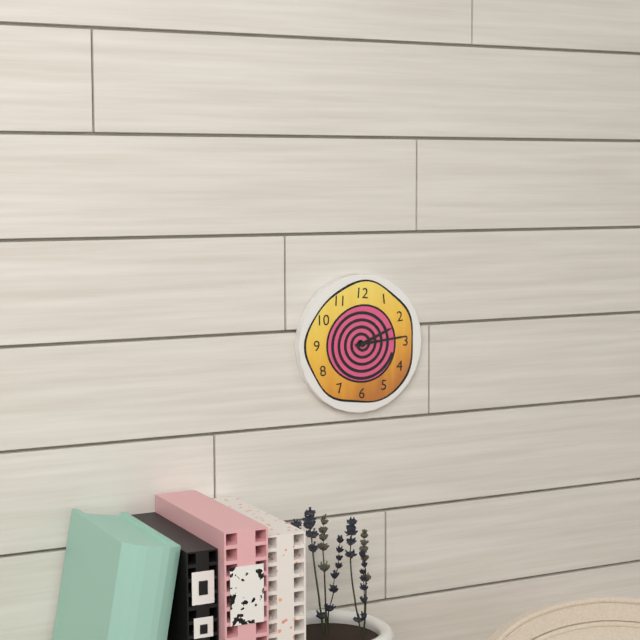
2:14
